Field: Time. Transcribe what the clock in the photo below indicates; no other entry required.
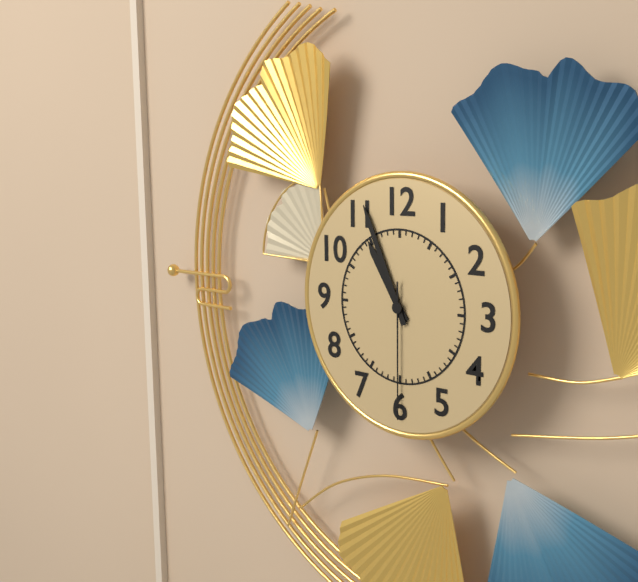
10:56:30
